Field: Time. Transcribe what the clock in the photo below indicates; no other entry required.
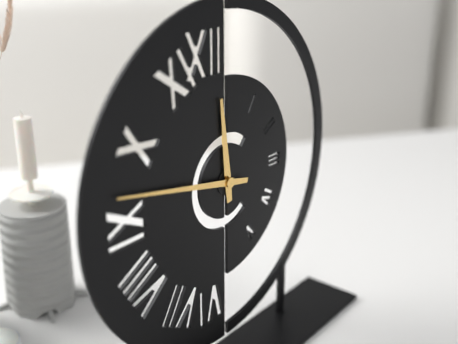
11:47
